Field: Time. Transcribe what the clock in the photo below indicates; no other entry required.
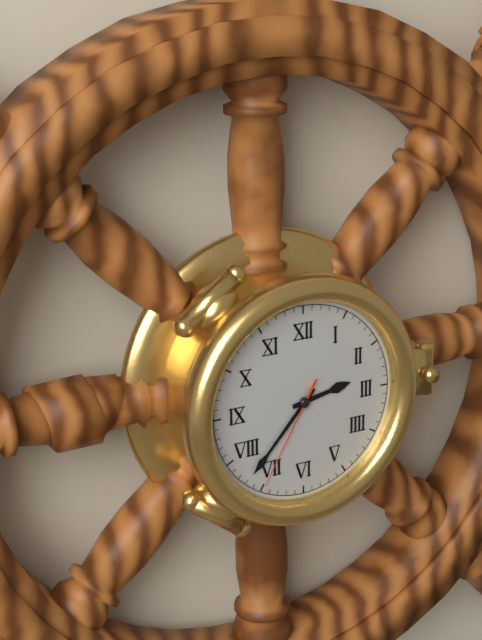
2:37:35
